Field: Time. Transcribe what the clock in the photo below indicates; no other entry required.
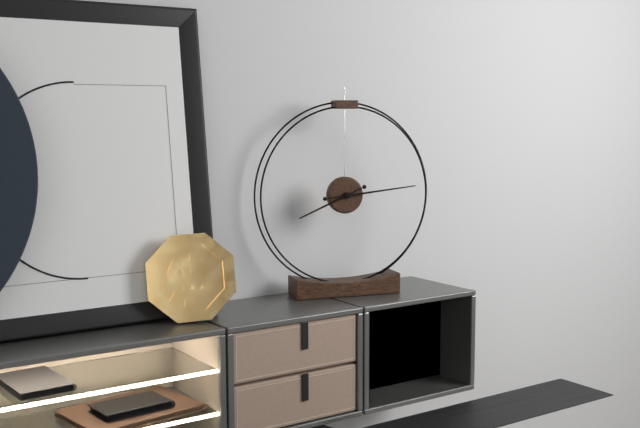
8:14
